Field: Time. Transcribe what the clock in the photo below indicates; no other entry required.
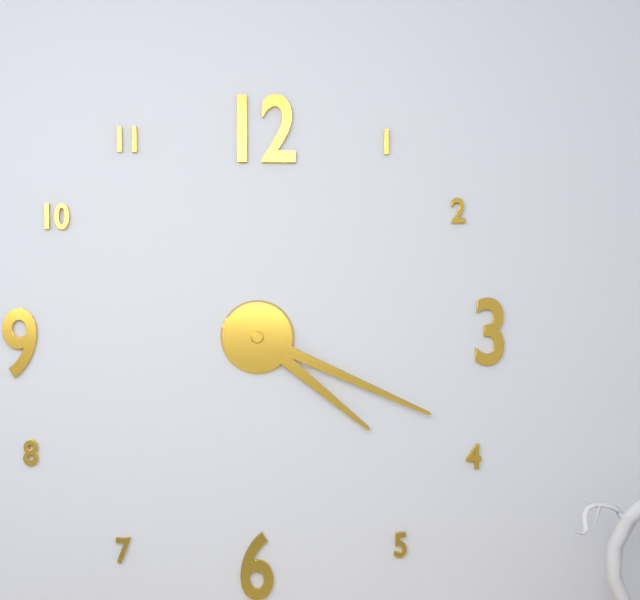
4:19
